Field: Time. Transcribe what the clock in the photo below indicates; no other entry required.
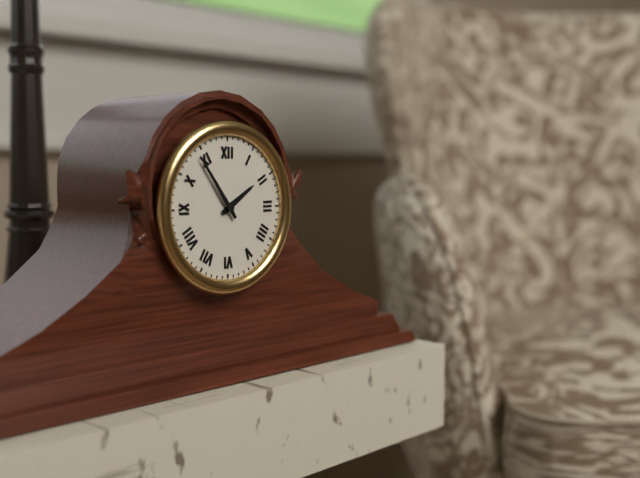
1:54
